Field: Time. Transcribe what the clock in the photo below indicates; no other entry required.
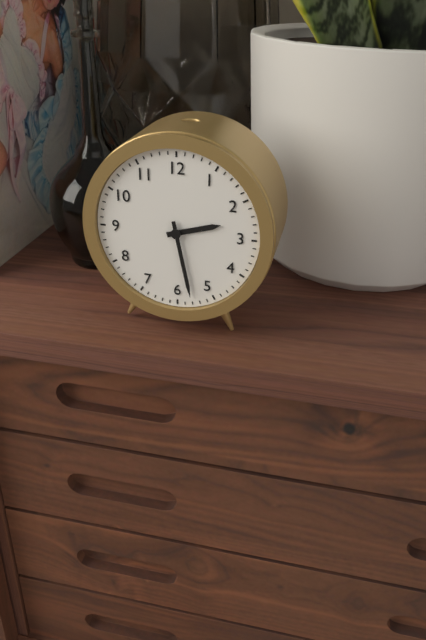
2:28
